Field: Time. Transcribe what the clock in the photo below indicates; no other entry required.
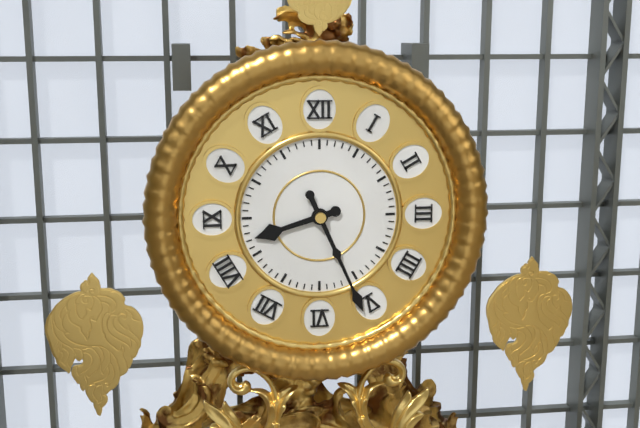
8:26
